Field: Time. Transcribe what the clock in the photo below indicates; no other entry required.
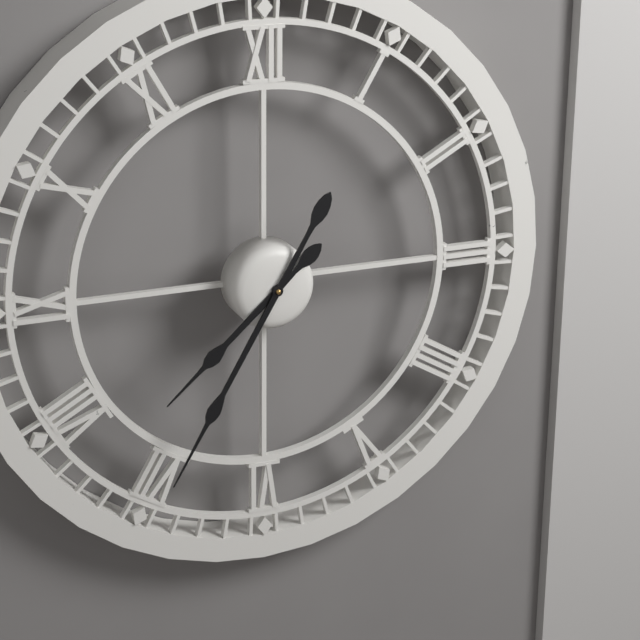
7:35
